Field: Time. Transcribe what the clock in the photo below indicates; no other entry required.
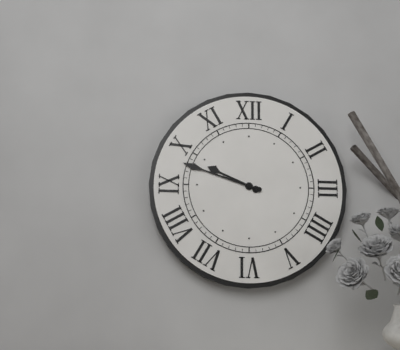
9:48
